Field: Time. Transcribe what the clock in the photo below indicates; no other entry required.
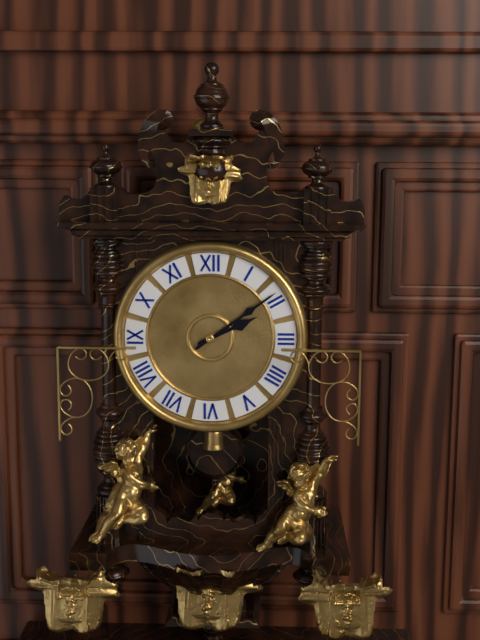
2:09
